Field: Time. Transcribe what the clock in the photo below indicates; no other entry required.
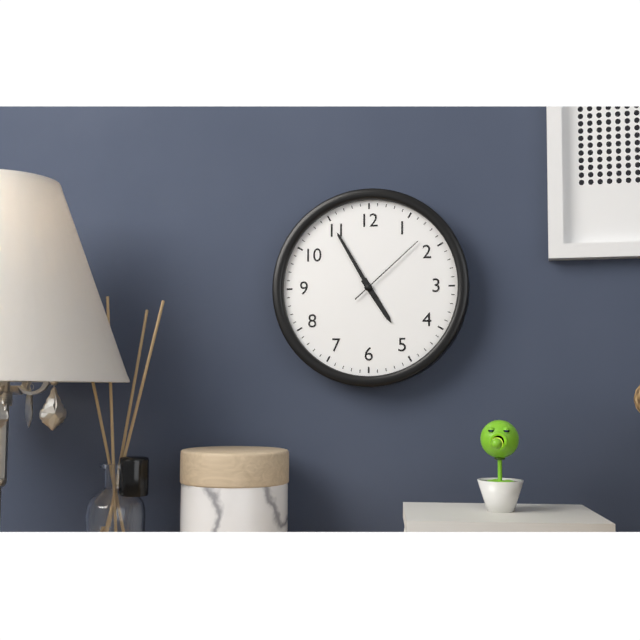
4:55:08
